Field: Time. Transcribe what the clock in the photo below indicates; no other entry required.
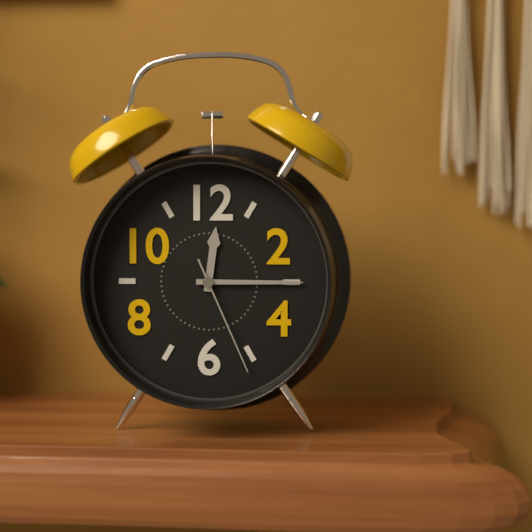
12:15:26
